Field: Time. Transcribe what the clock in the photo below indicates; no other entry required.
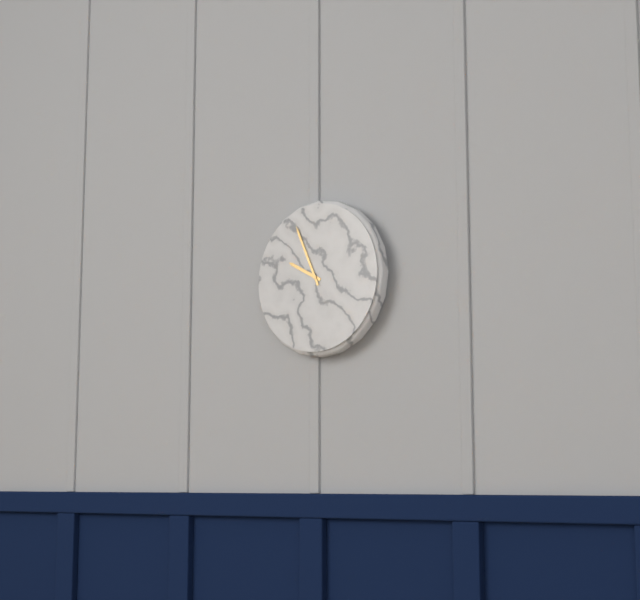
9:56
